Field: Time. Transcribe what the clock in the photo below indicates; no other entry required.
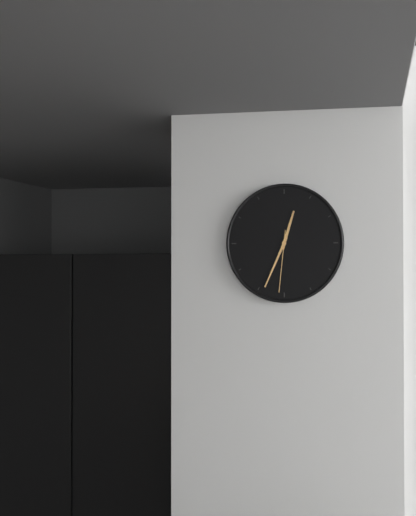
12:34:31
